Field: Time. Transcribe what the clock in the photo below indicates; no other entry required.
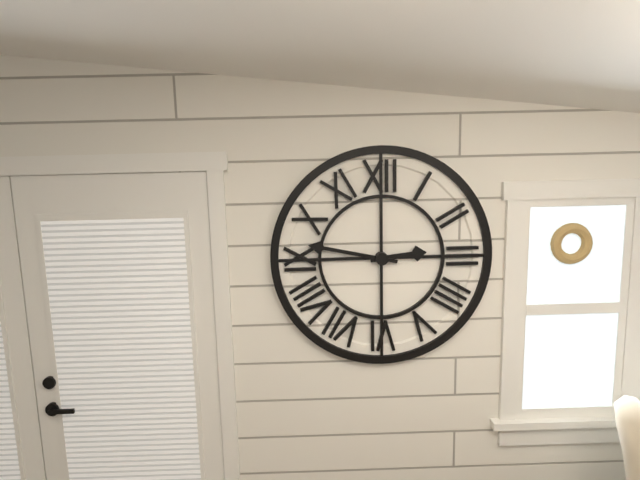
2:47
